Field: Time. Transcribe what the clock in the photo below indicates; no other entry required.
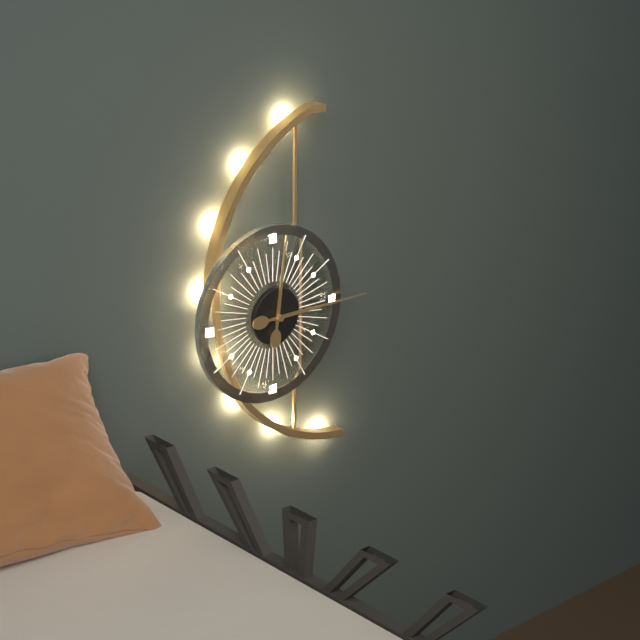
12:15
